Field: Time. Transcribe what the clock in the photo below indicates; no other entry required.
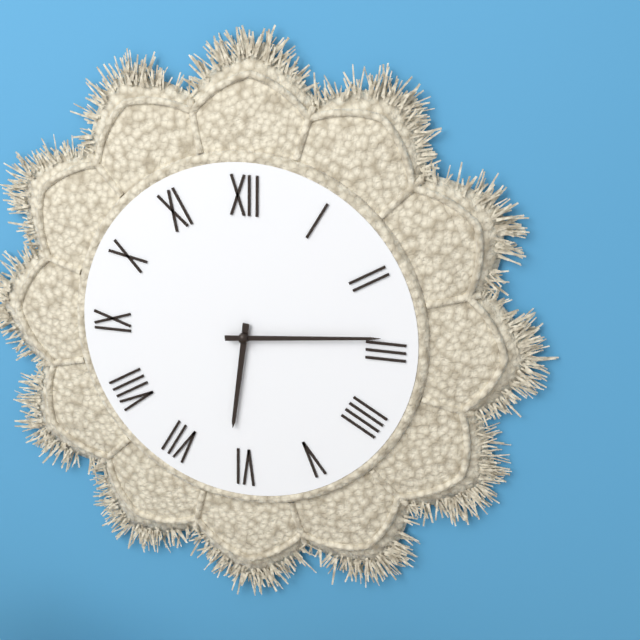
6:14
